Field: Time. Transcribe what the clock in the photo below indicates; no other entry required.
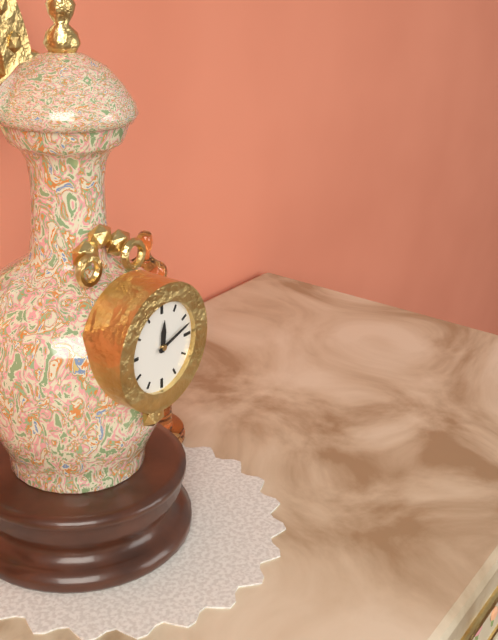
12:12
